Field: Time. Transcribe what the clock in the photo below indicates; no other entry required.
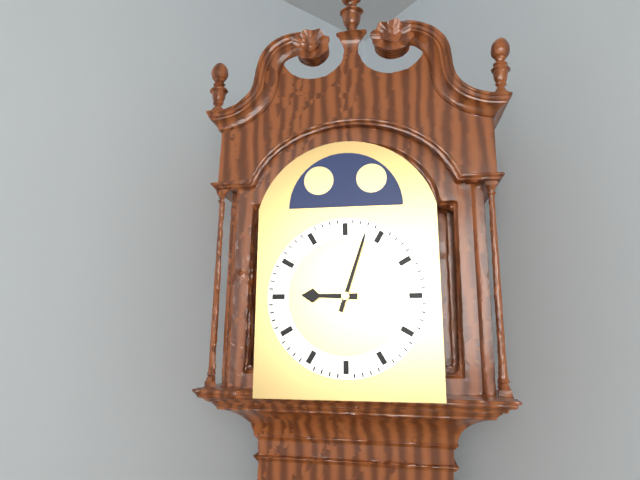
9:03
